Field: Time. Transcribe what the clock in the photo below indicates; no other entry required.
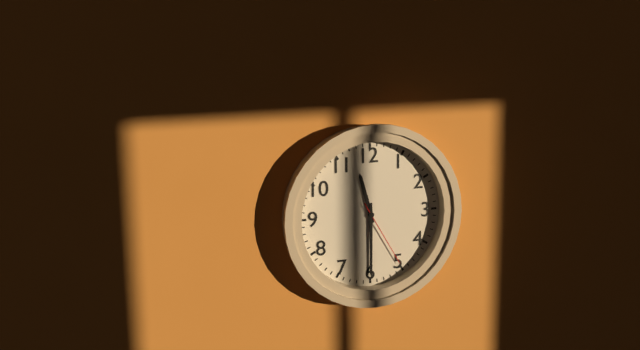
11:30:25
